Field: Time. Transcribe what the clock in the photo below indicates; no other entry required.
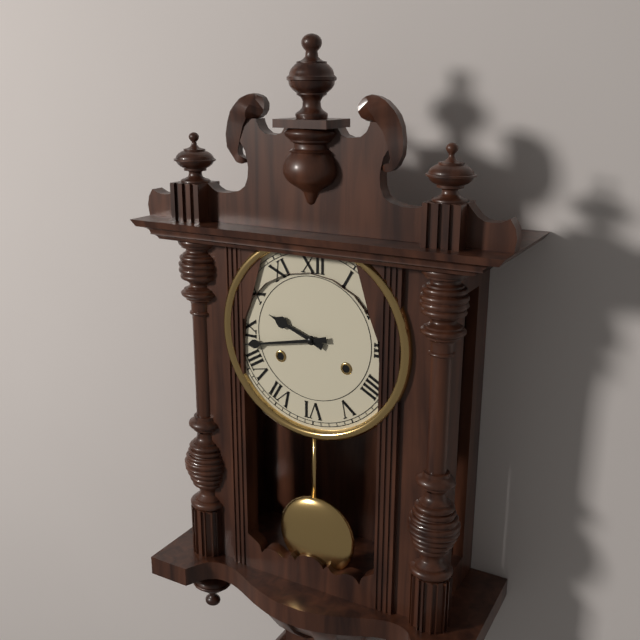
9:43
